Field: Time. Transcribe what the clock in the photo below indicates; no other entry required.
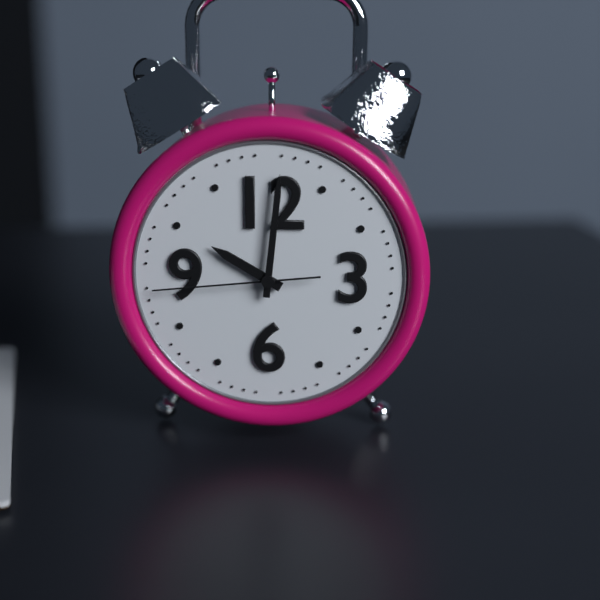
10:01:44
